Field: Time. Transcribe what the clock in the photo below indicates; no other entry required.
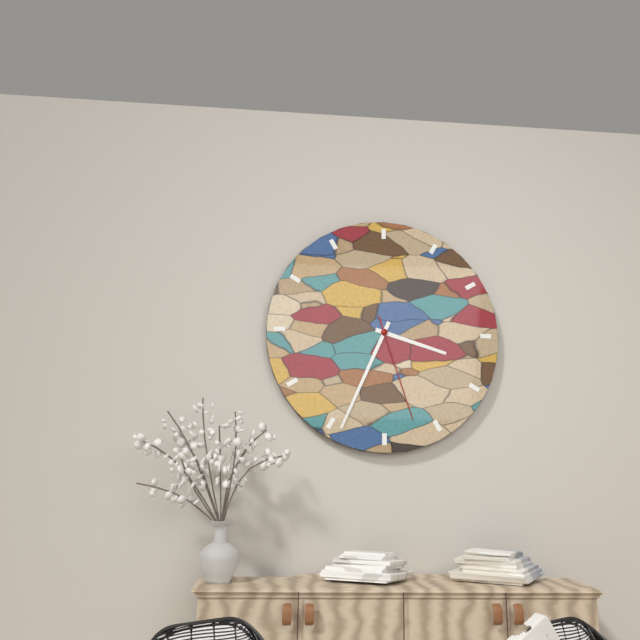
3:34:27
